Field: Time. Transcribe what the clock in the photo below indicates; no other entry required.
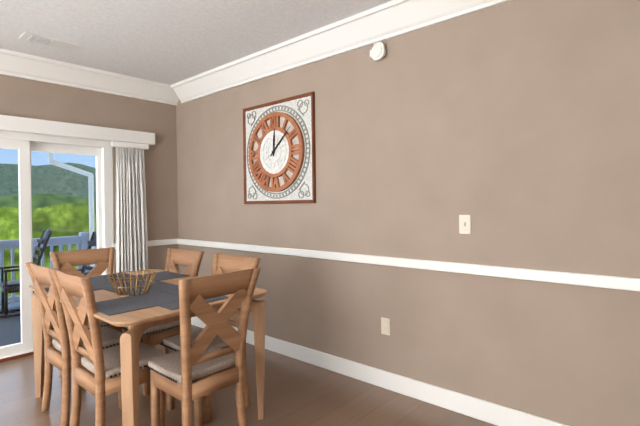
12:08
